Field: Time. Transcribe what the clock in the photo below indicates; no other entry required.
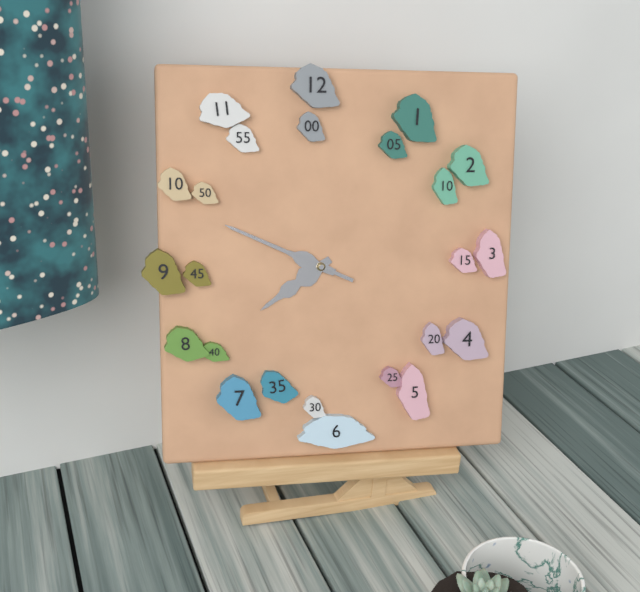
7:49:49
